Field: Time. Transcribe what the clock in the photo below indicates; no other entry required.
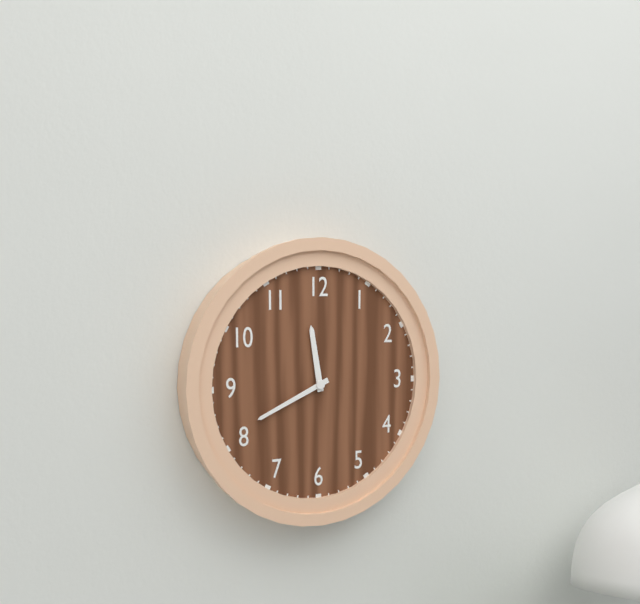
11:41
